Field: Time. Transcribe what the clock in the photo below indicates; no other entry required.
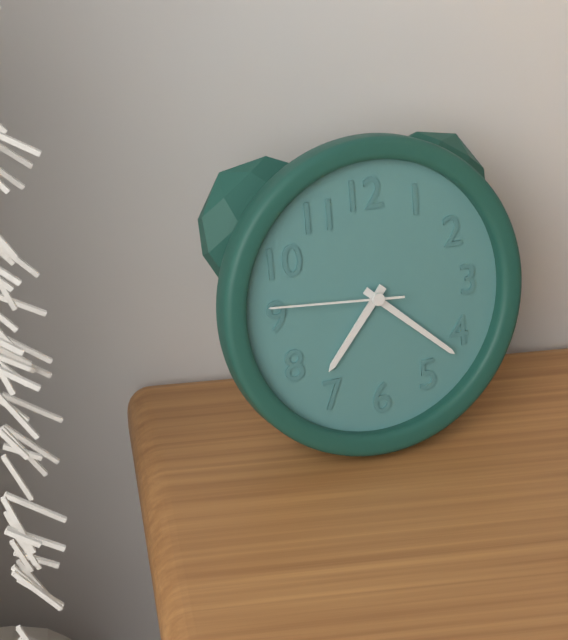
7:22:46
